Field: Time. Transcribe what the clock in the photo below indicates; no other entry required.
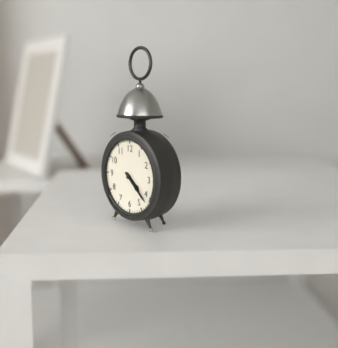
4:22
